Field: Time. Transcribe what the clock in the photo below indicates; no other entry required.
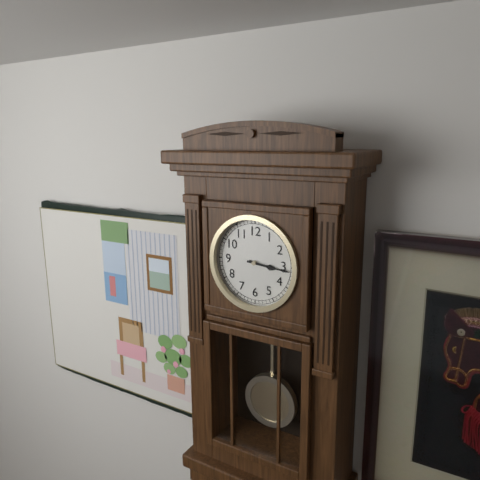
3:16
